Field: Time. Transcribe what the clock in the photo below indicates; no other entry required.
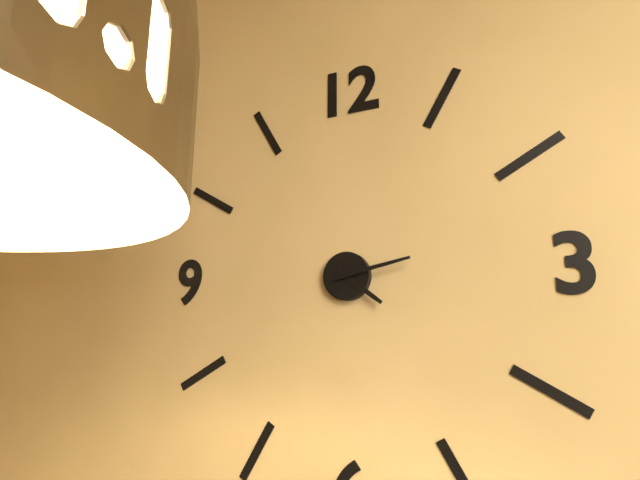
4:13
